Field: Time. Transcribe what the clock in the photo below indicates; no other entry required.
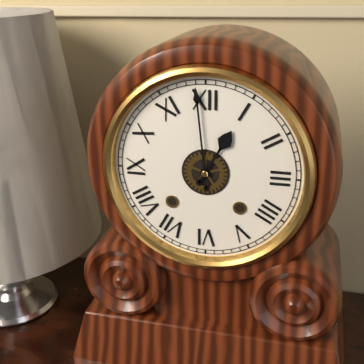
12:59
